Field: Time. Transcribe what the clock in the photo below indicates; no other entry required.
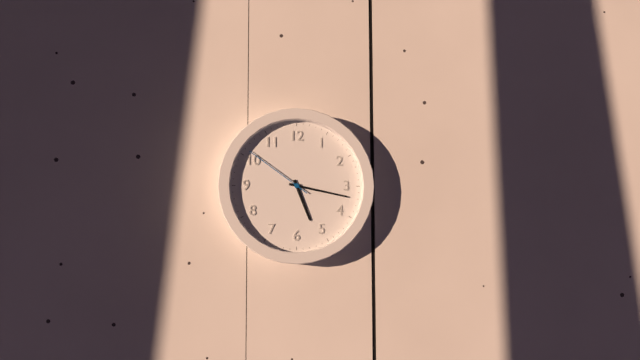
5:17:51
